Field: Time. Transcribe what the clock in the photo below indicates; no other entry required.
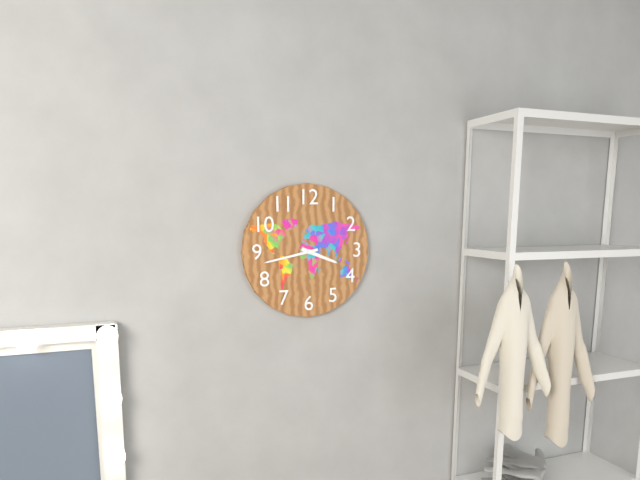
3:43
